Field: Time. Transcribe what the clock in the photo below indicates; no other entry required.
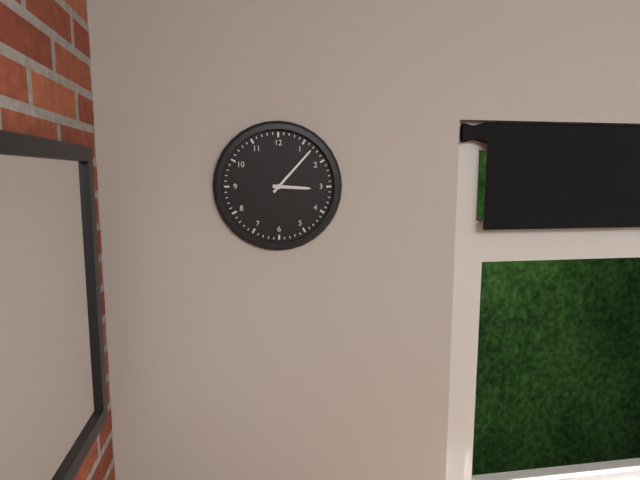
3:07
